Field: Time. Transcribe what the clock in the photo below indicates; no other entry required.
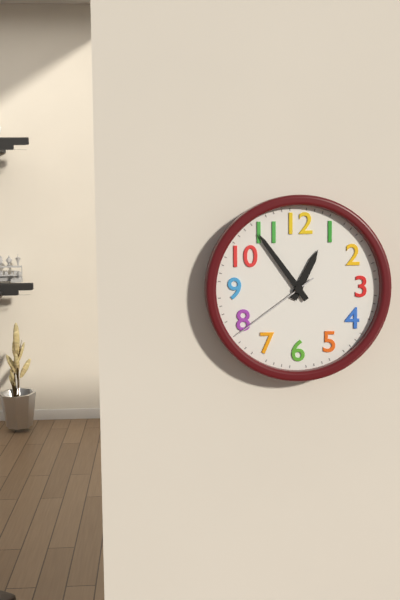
12:54:39
